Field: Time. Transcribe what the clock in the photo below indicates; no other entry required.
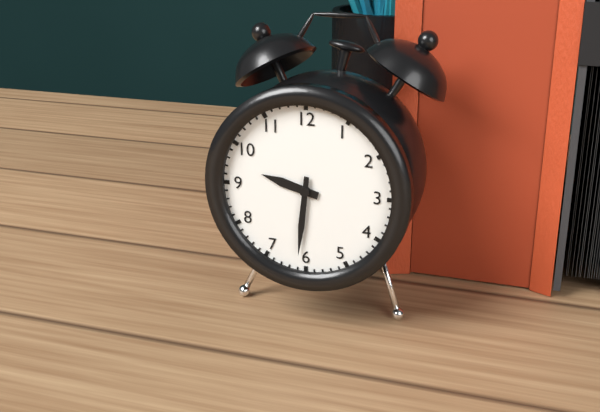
9:31
